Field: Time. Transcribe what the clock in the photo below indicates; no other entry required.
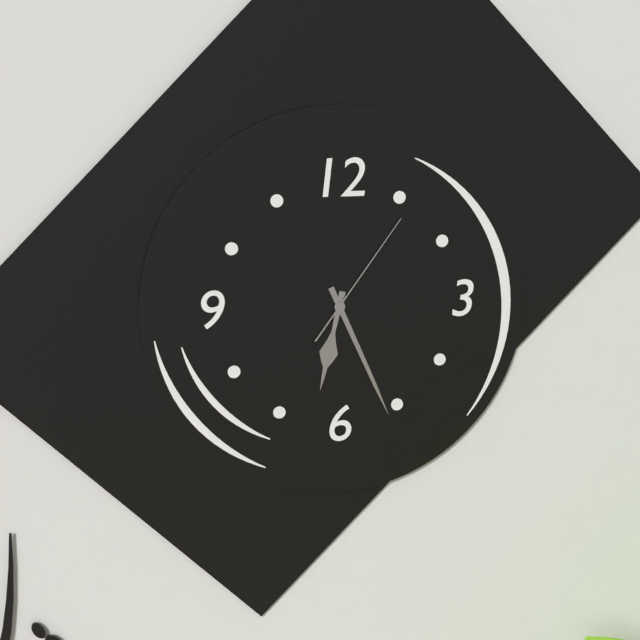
6:26:06
